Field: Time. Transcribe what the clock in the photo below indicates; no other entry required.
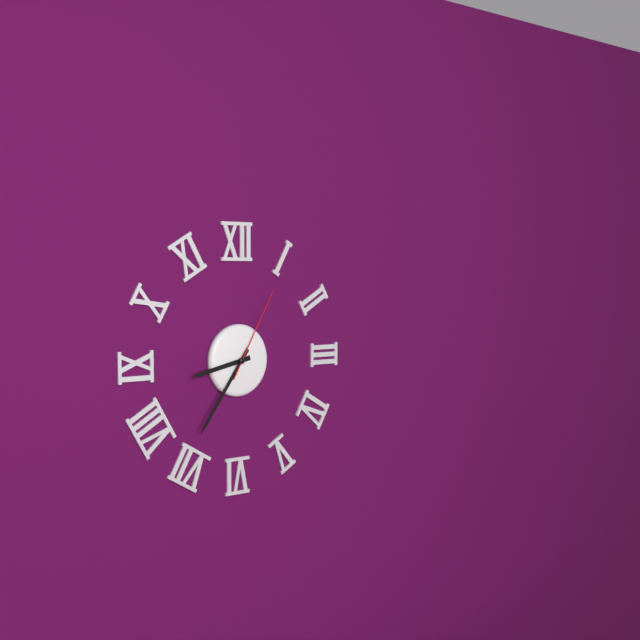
8:36:05
